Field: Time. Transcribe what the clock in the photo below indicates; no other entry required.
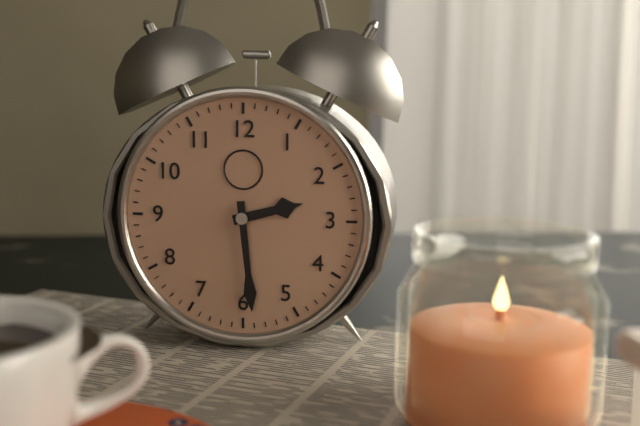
2:29
